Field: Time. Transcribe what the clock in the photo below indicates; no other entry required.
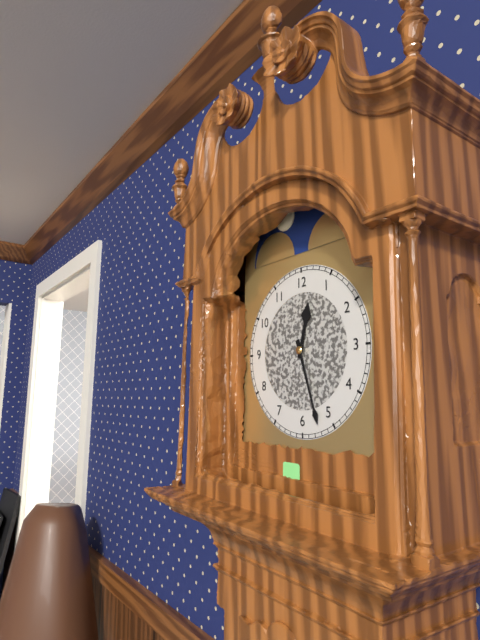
12:27
